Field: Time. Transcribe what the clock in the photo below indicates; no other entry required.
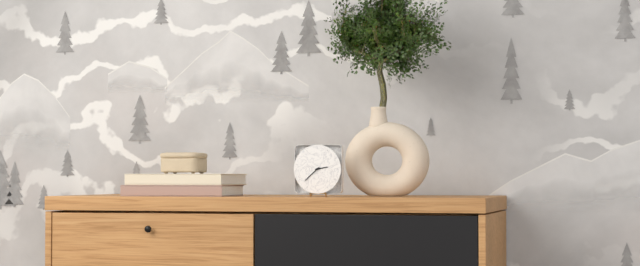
2:38
